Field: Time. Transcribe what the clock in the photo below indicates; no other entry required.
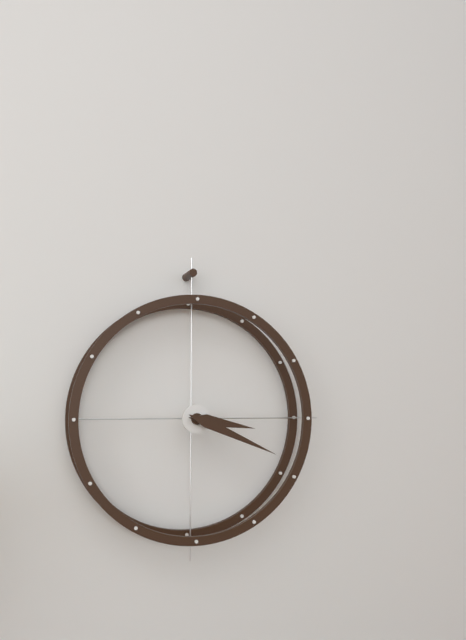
3:19
